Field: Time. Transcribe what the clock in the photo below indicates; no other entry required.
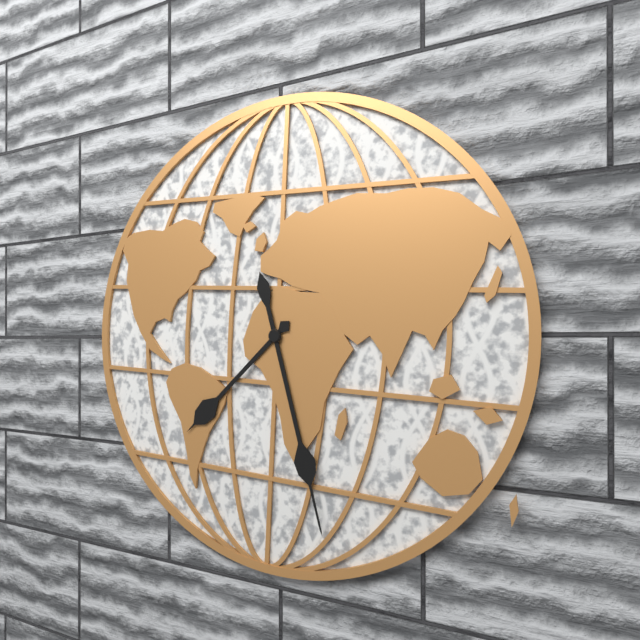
7:27
